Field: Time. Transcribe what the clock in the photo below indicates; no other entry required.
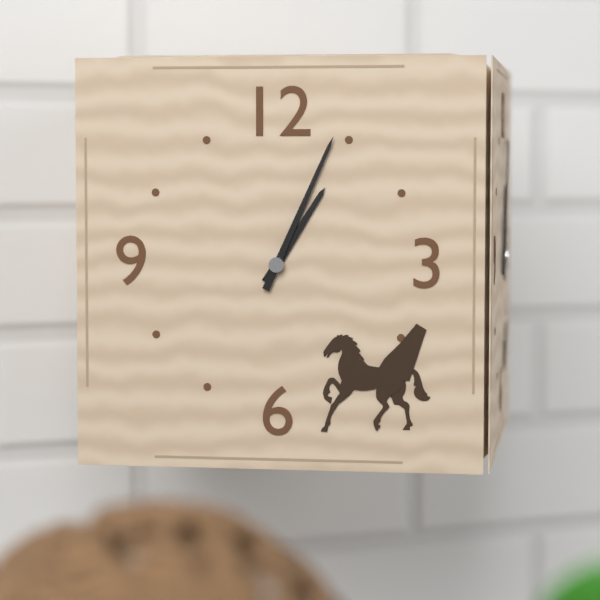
1:04
